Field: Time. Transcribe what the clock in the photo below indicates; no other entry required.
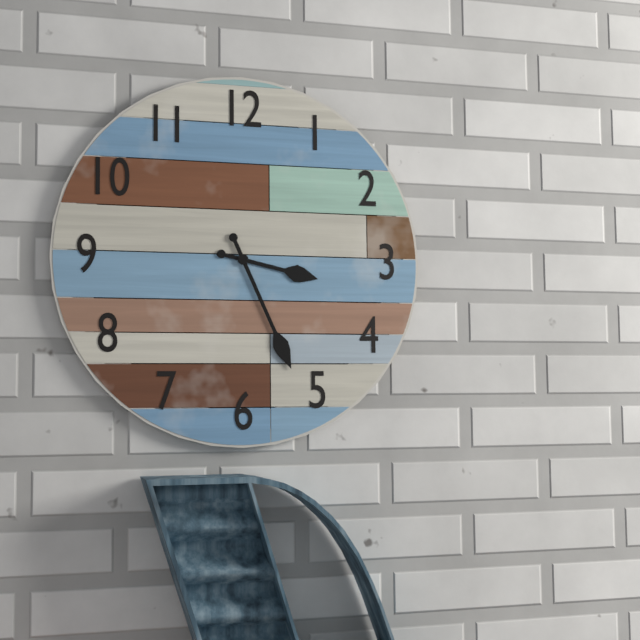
3:26
